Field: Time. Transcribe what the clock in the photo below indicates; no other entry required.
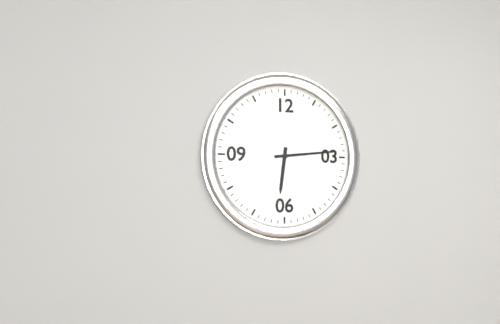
6:14
